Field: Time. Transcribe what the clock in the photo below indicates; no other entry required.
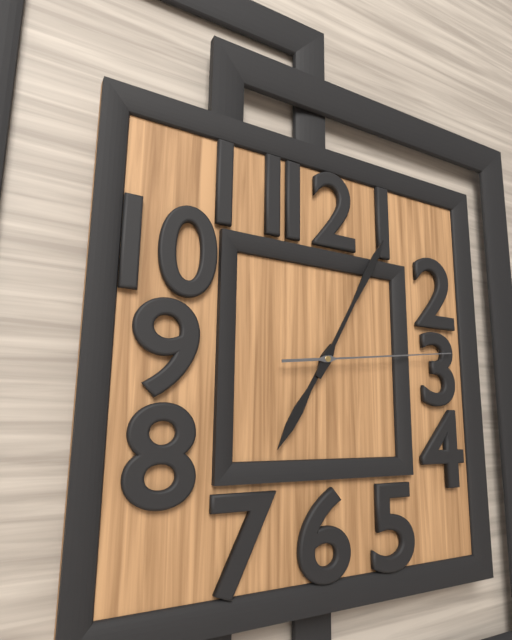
7:05:14
